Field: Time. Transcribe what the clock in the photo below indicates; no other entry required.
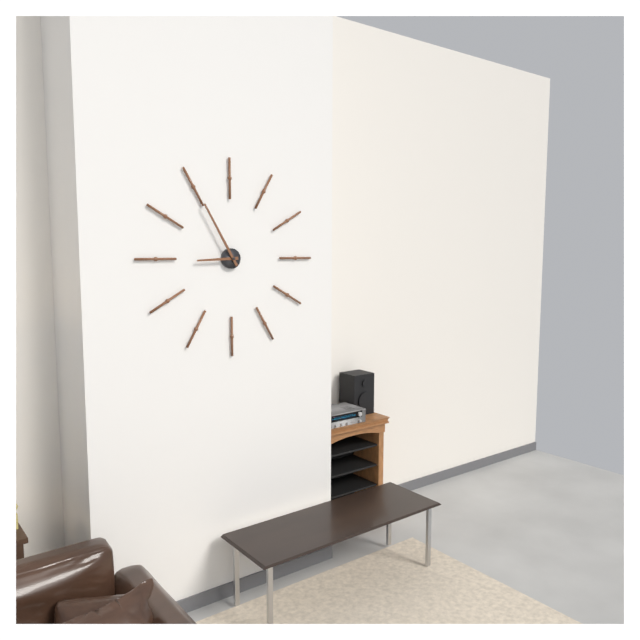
8:55
